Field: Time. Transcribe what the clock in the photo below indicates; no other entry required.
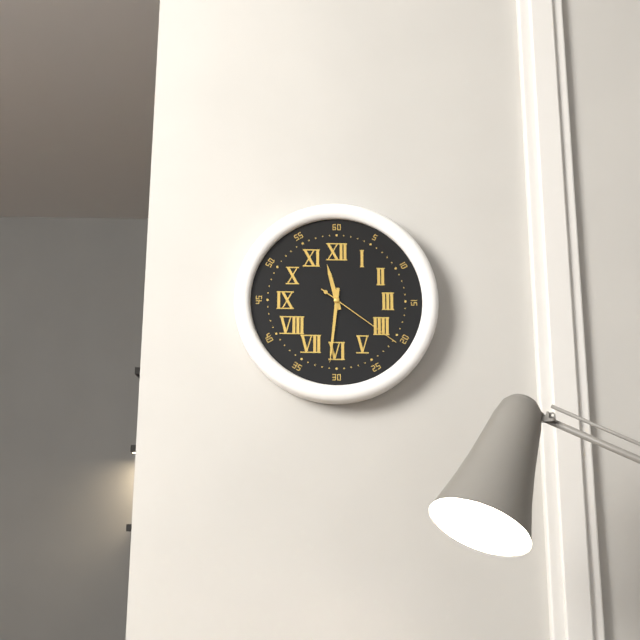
11:31:21
